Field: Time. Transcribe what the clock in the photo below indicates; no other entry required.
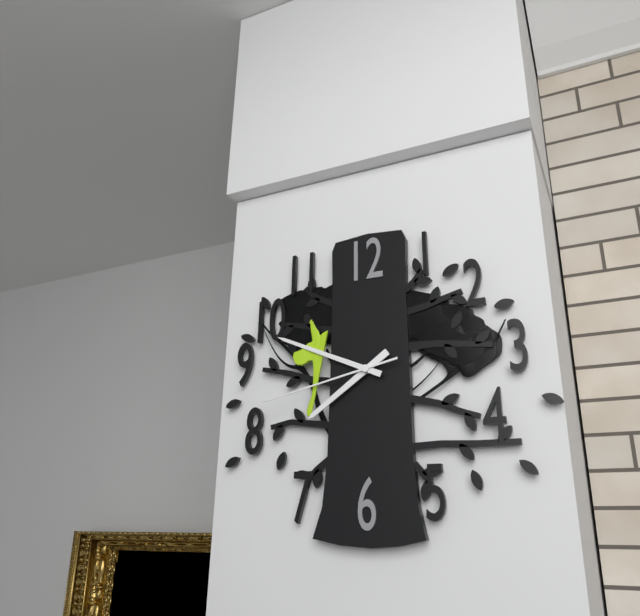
7:49:43
